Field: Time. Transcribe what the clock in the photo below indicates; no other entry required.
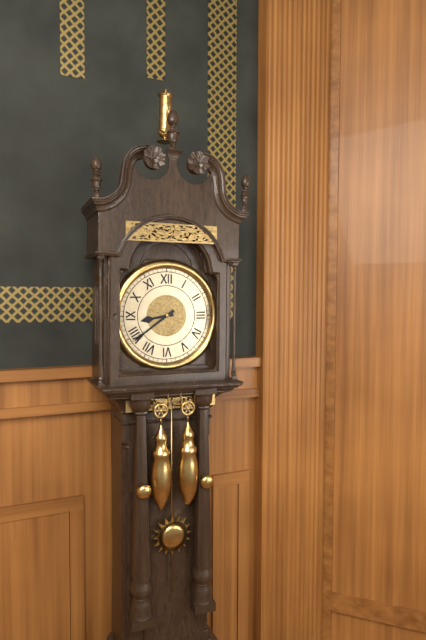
8:39
